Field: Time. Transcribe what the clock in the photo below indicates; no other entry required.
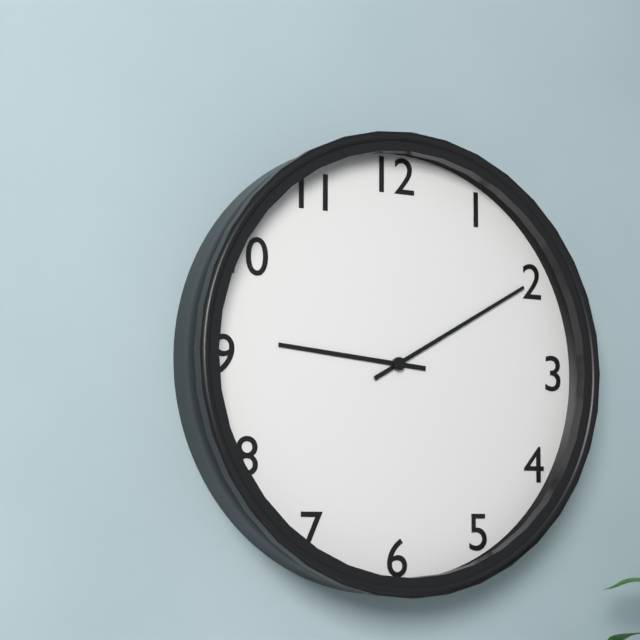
9:10
